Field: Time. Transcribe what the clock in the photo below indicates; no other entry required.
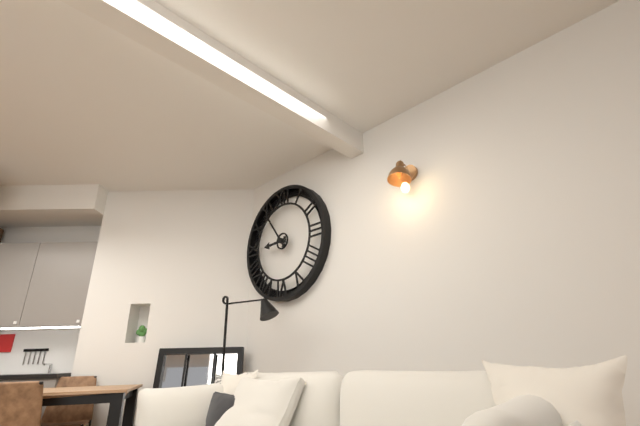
8:54
